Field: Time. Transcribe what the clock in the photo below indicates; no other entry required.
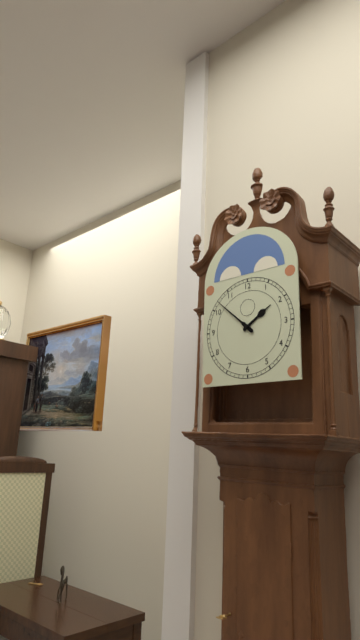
1:52
